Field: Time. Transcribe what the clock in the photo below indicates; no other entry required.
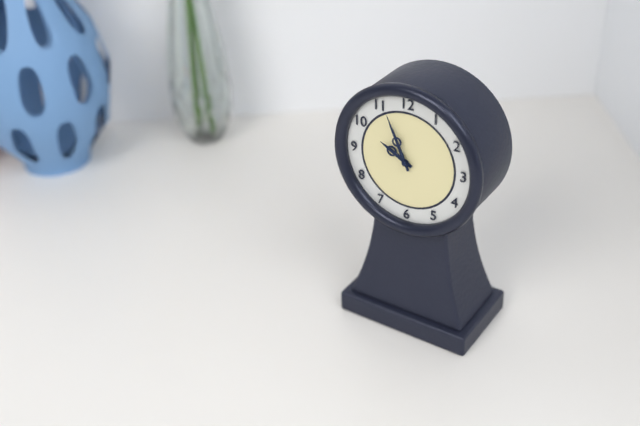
9:56
